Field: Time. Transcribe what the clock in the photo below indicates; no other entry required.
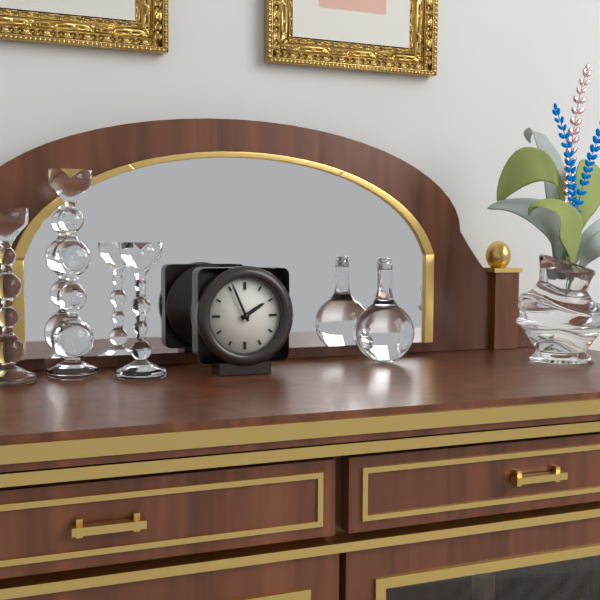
1:56
